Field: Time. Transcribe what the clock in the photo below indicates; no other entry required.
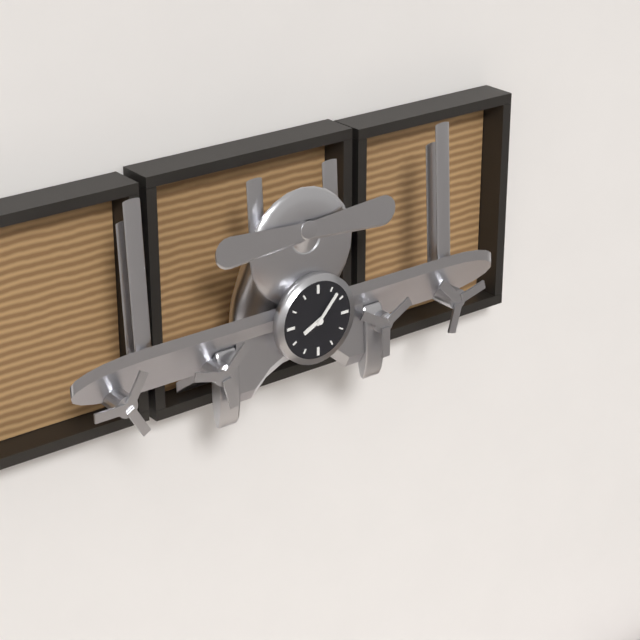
8:07
